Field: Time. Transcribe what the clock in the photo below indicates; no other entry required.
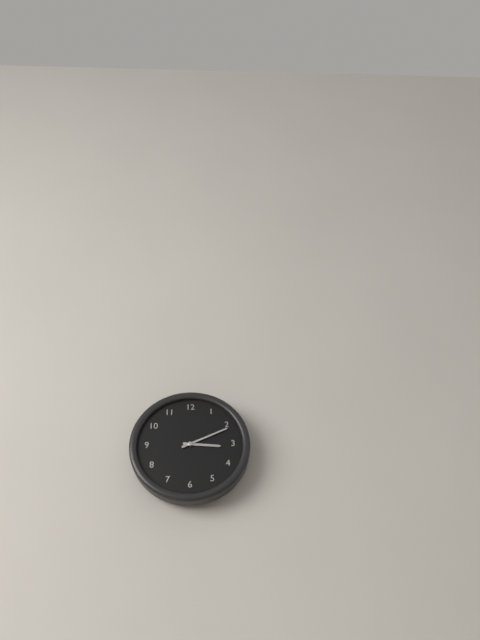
3:11
